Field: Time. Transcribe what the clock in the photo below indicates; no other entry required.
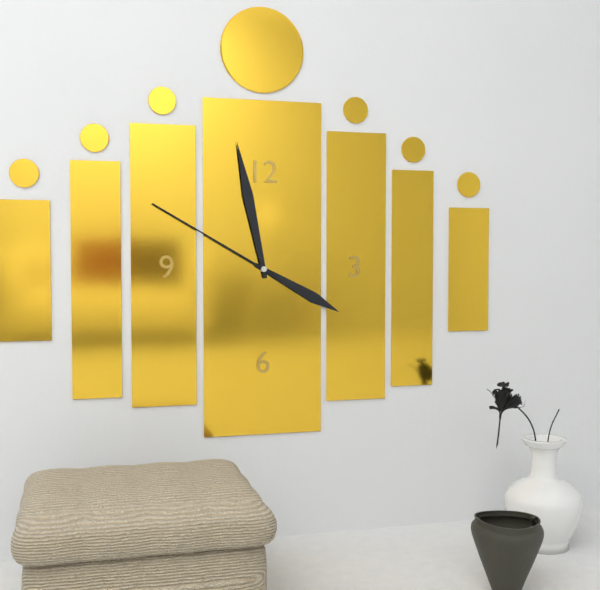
3:58:50
